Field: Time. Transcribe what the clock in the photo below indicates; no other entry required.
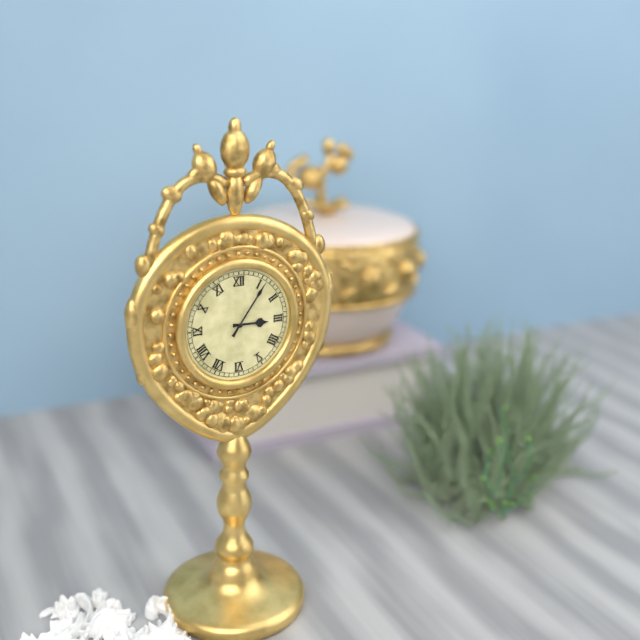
3:06
